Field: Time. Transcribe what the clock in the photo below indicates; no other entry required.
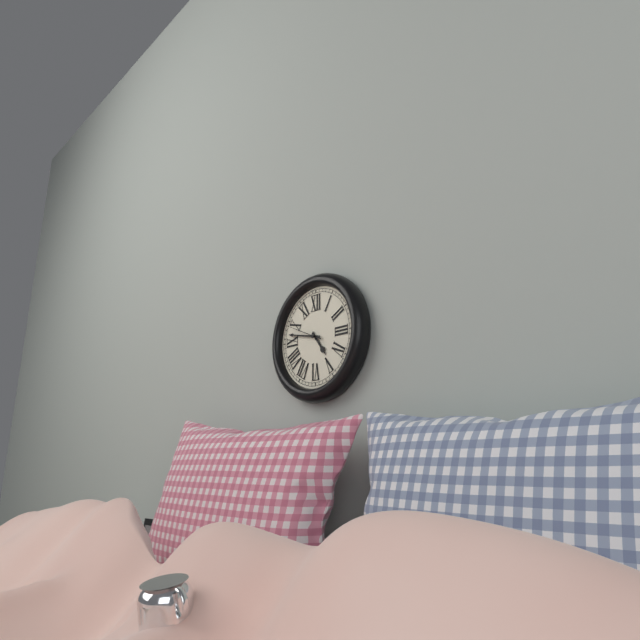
4:47
